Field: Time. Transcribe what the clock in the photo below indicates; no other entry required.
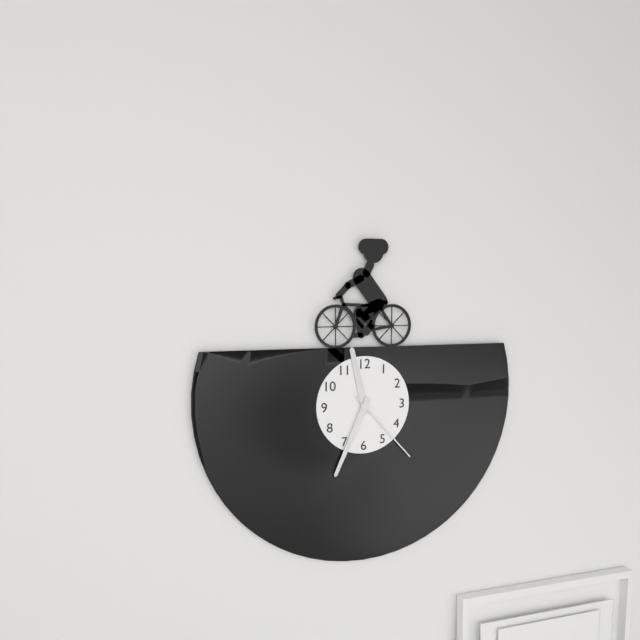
11:34:23
